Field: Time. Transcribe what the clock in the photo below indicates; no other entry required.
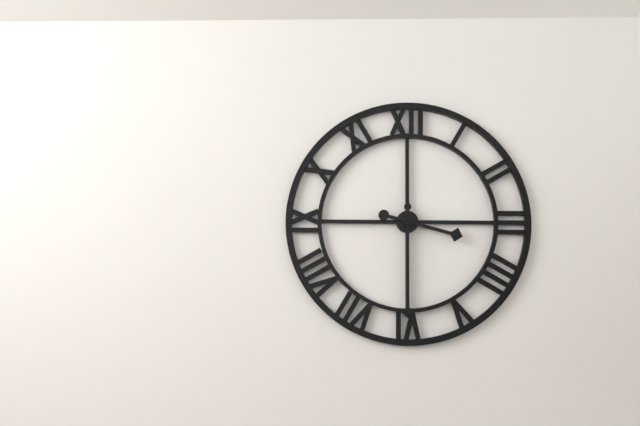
3:30
